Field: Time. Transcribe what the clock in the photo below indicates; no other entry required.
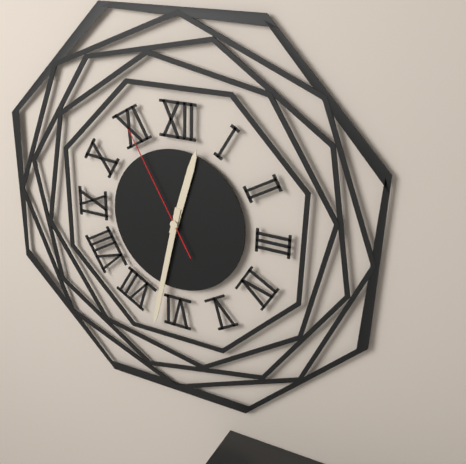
12:32:55
